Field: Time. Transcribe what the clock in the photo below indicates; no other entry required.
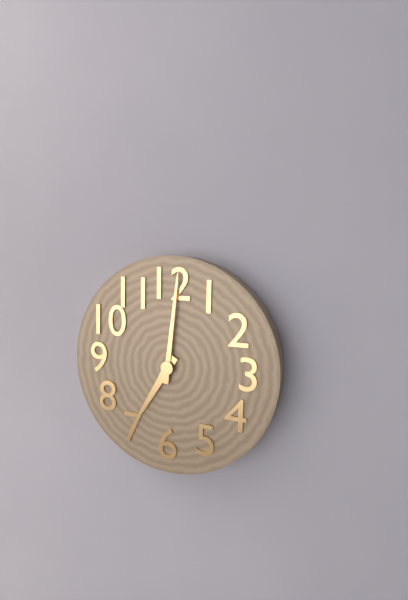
7:01
